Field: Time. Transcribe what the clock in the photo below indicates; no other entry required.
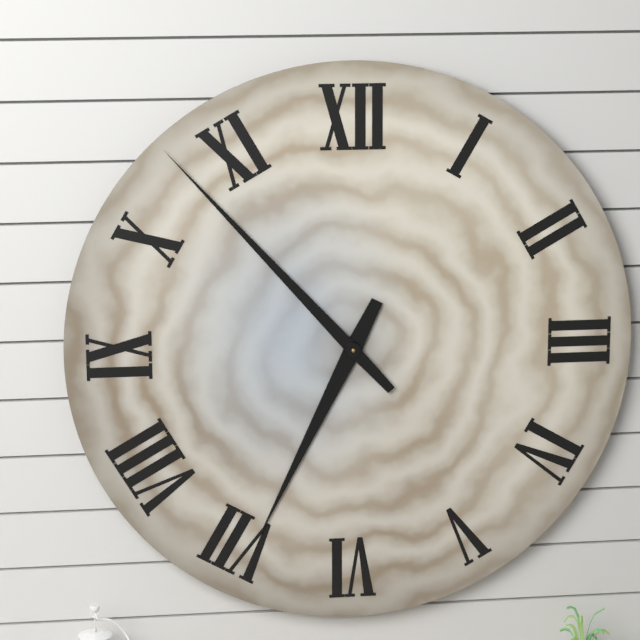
6:53
